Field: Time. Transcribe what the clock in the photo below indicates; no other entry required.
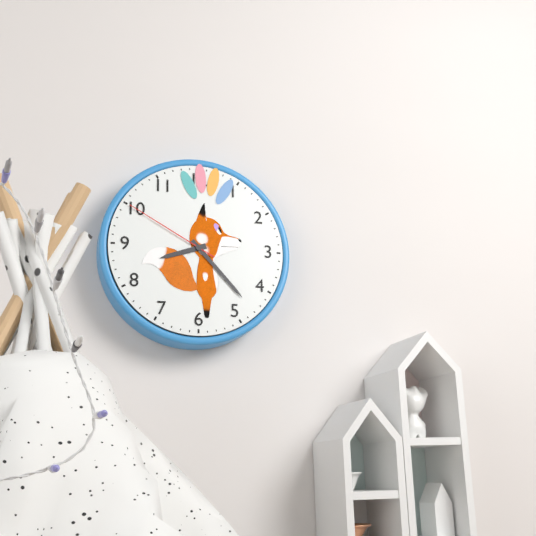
8:23:50
